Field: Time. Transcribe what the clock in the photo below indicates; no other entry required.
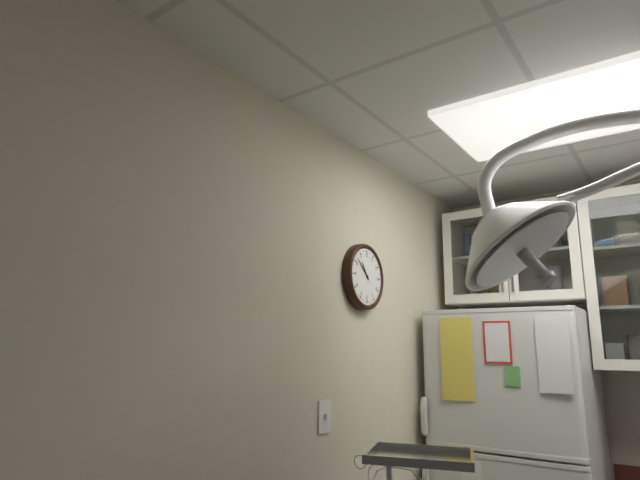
10:52
